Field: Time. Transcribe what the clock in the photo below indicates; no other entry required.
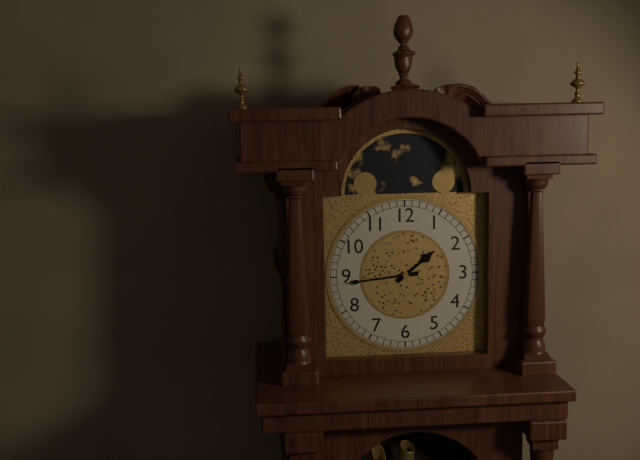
1:44
